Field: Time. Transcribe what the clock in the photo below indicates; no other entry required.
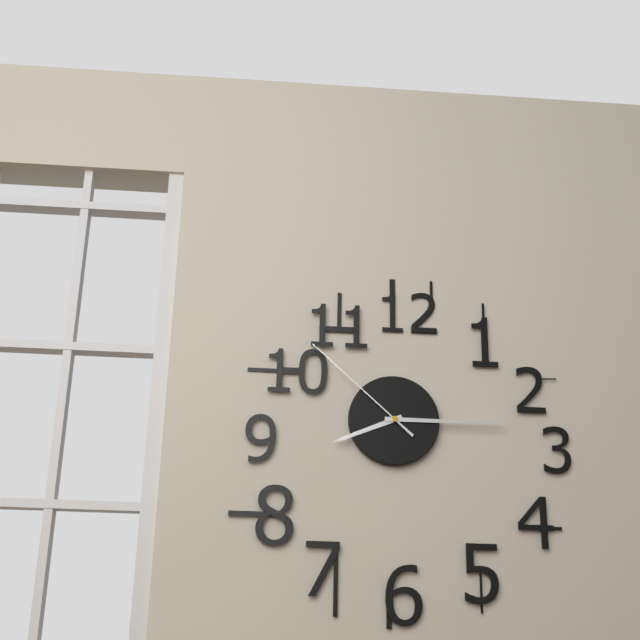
8:15:52
